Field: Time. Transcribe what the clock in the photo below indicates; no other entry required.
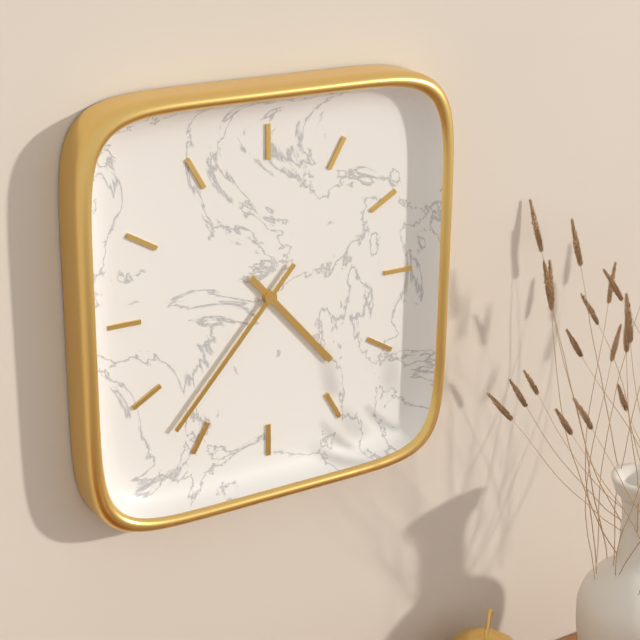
4:37
